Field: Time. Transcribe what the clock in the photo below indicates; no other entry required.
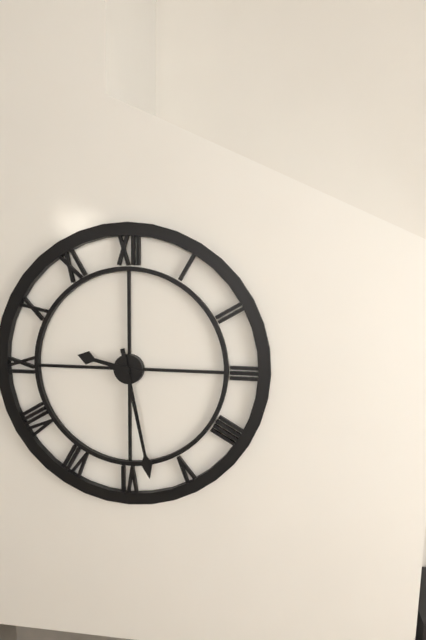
9:28
